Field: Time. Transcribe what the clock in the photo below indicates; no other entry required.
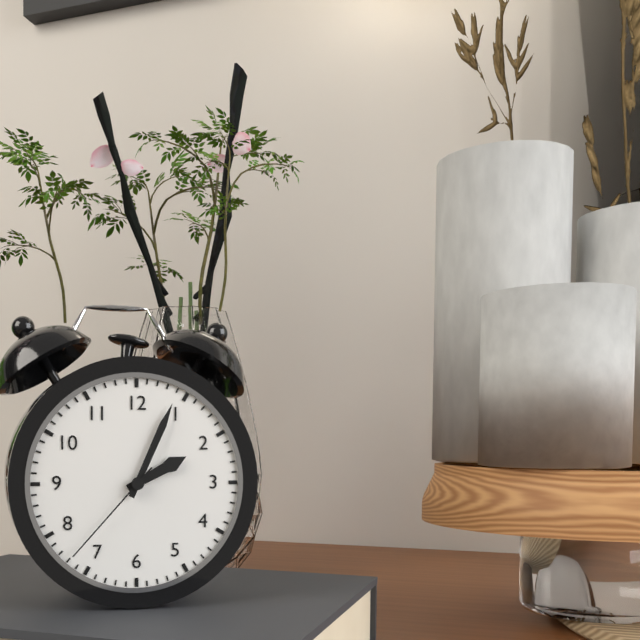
2:04:37
